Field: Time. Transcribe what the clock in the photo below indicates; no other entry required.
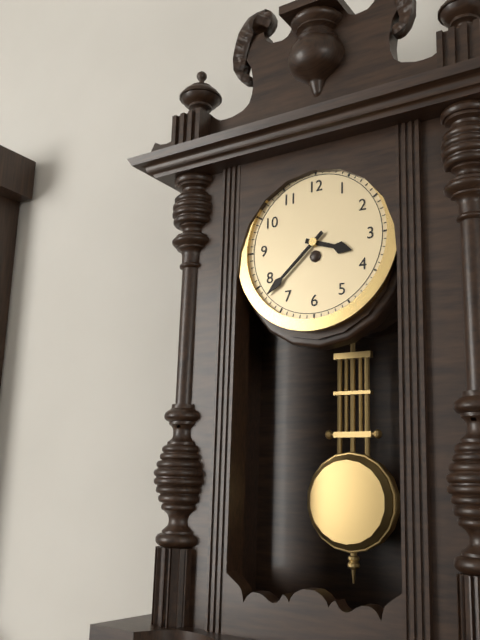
3:38
